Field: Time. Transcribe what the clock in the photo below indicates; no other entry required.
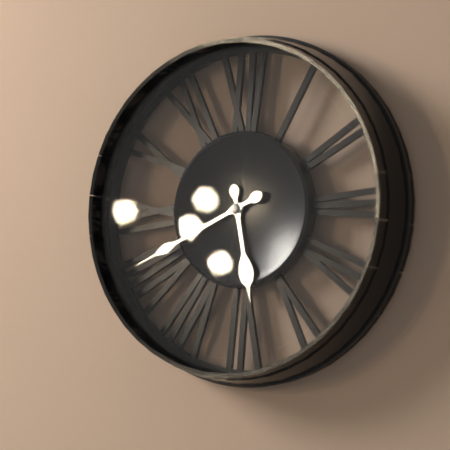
5:41
